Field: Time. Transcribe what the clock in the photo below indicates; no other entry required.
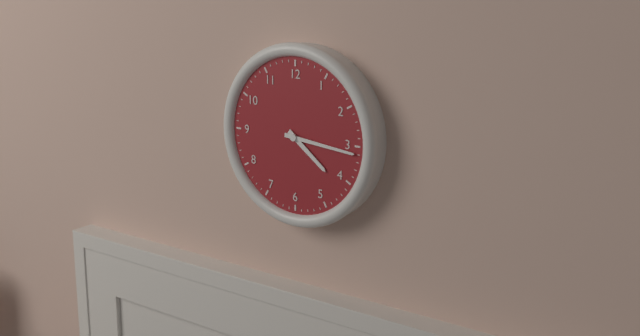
4:16
